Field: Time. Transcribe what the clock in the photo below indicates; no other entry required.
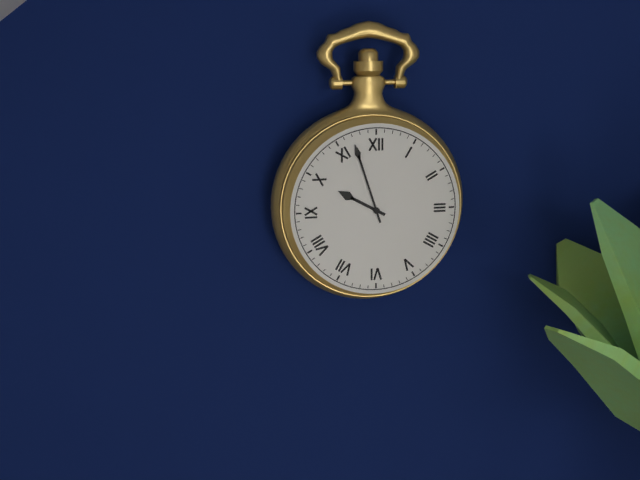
9:57
